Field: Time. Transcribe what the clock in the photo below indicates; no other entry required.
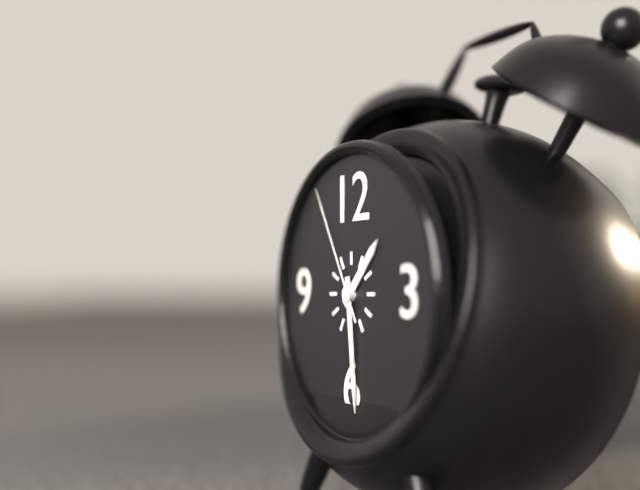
1:29:55
